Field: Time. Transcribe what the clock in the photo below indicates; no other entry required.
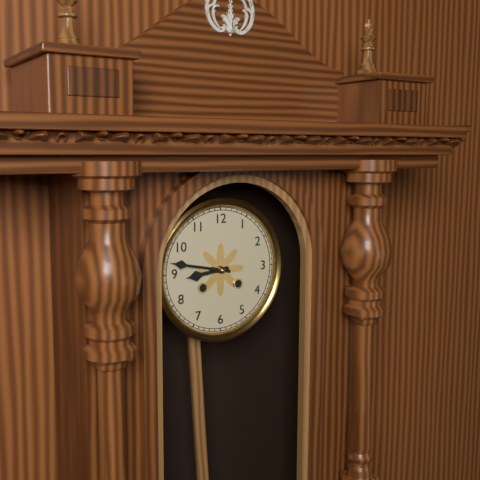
8:47
